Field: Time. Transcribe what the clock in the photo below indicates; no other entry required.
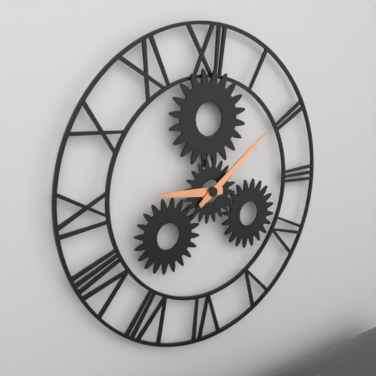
9:09
